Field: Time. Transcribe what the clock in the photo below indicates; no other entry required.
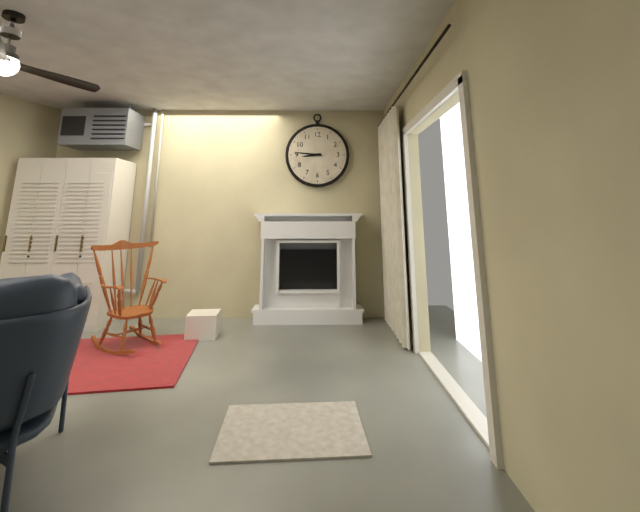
8:46
